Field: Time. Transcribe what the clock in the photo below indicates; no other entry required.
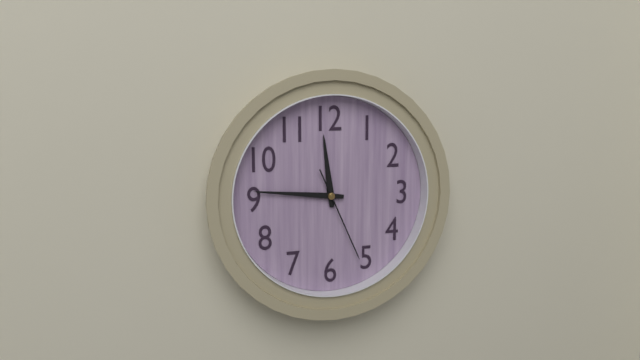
11:46:26
